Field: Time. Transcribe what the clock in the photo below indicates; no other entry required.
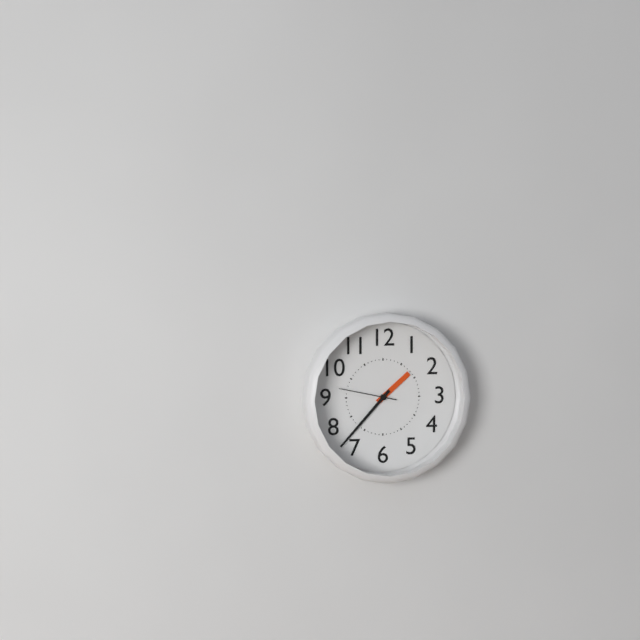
1:37:47
